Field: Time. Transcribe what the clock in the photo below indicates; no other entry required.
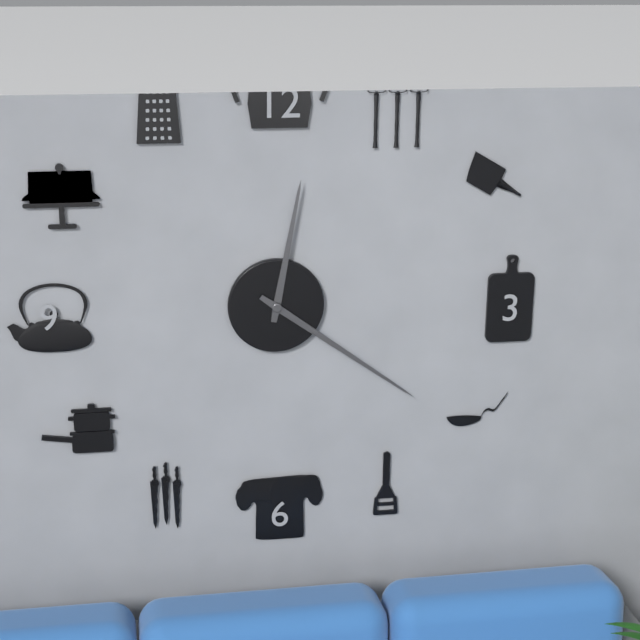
12:21
